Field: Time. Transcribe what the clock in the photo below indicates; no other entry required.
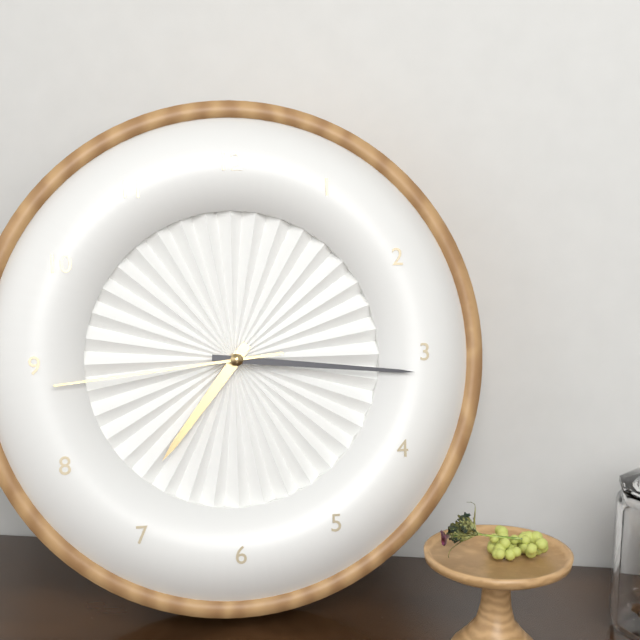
7:16:44
